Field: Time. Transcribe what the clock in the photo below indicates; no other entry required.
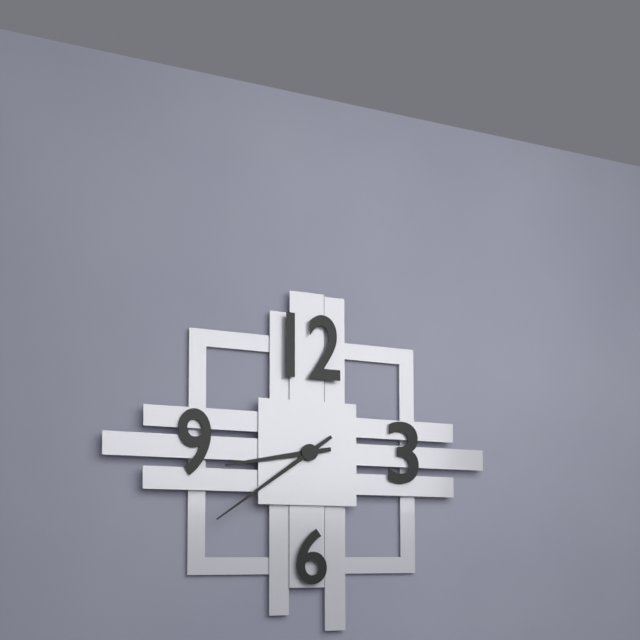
8:39
